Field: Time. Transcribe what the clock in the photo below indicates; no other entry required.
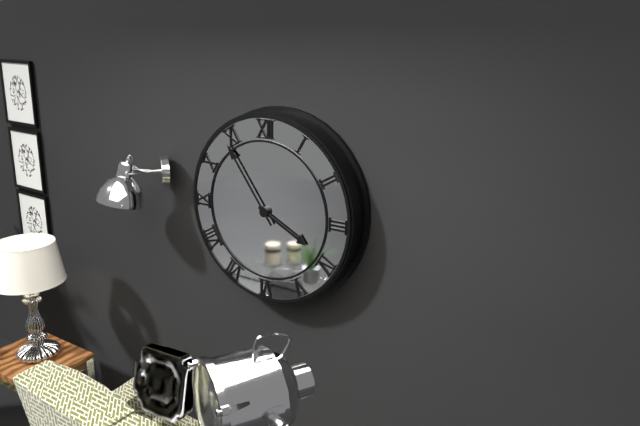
3:54
